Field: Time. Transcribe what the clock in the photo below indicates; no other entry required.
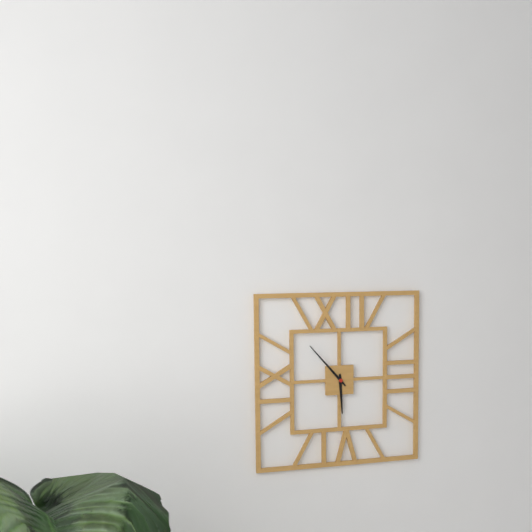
5:53
